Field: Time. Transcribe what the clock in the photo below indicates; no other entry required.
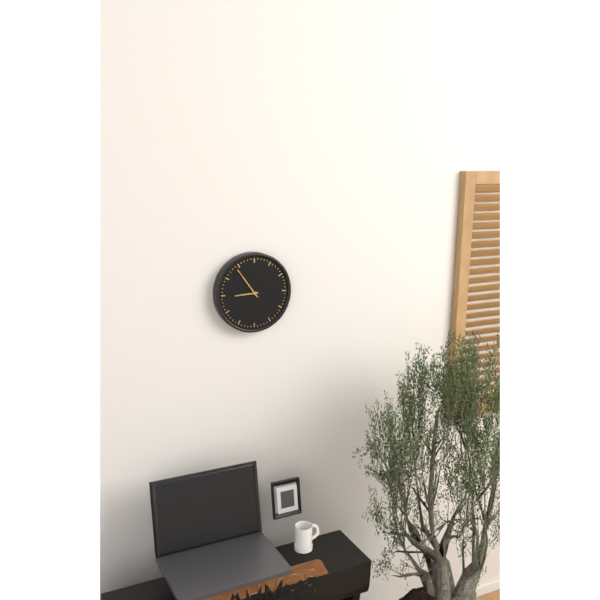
8:54
